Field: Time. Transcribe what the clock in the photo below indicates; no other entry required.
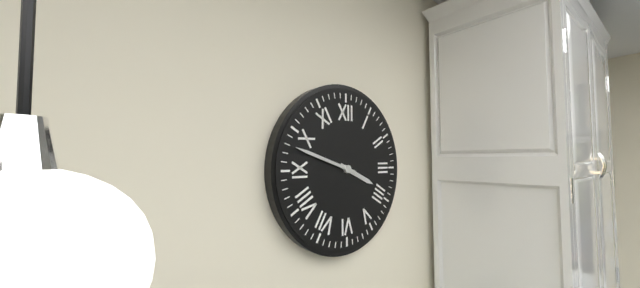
3:48
